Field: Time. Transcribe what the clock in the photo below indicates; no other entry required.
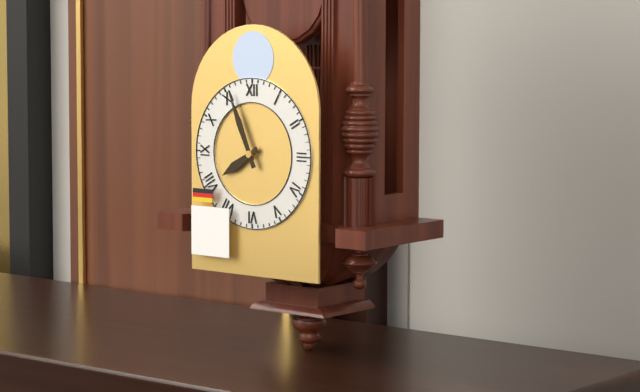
7:56
